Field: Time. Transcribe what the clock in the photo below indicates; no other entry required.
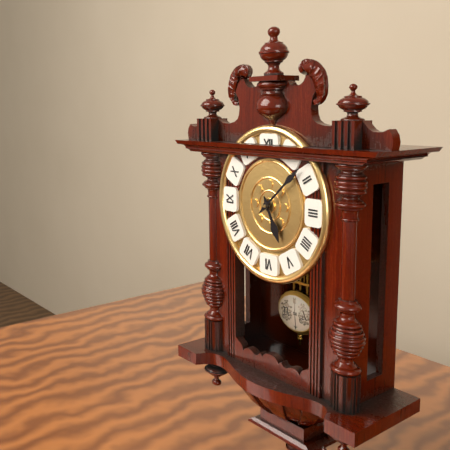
5:08
